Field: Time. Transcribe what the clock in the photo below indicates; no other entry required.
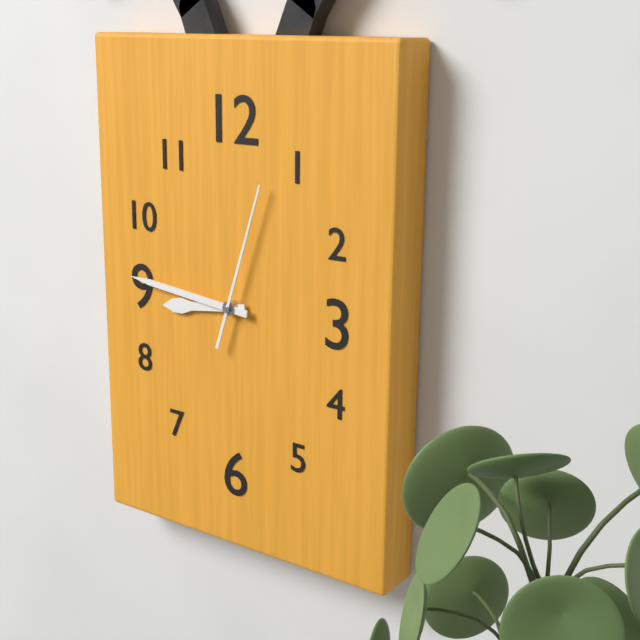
8:46:03
